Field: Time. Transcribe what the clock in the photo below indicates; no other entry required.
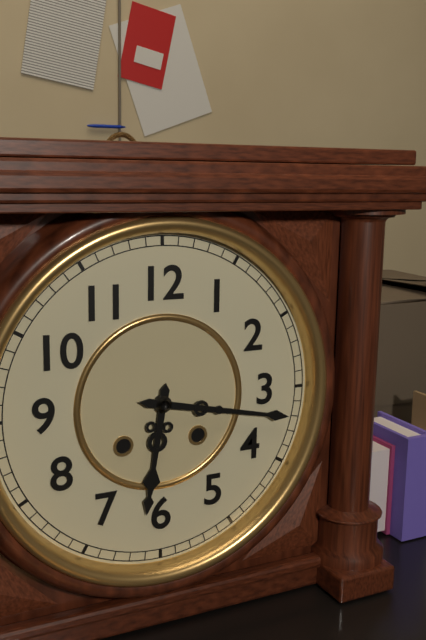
6:17
